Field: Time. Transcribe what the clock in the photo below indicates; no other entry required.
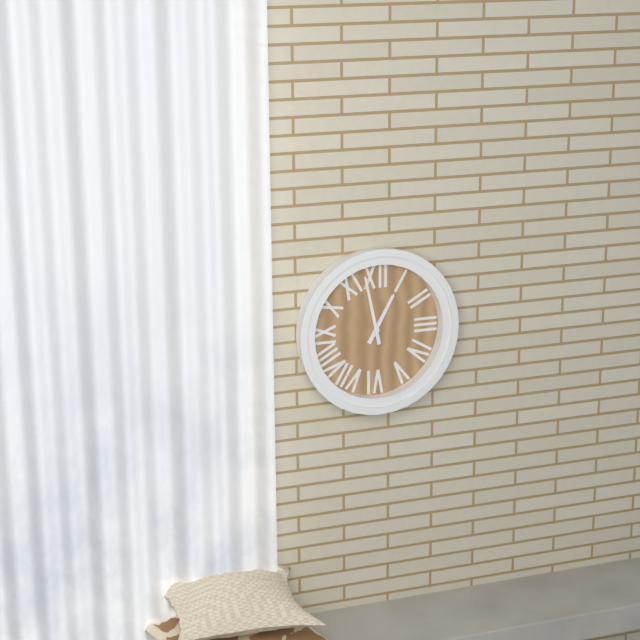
12:58
